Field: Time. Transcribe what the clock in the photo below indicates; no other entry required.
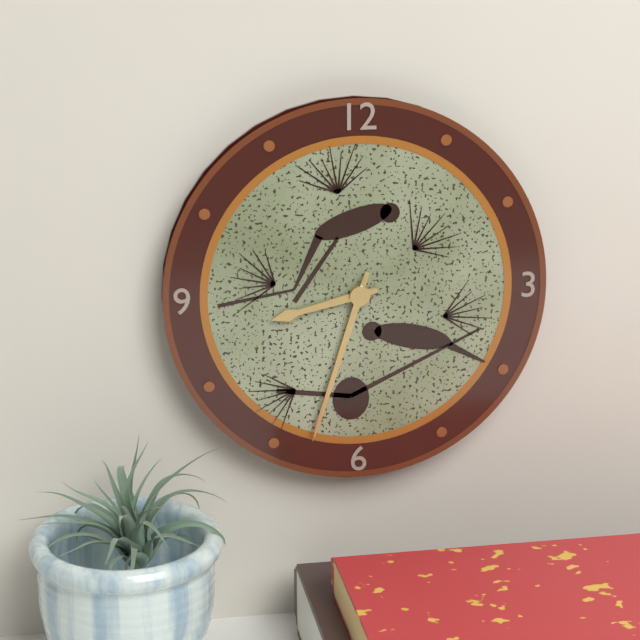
8:33
